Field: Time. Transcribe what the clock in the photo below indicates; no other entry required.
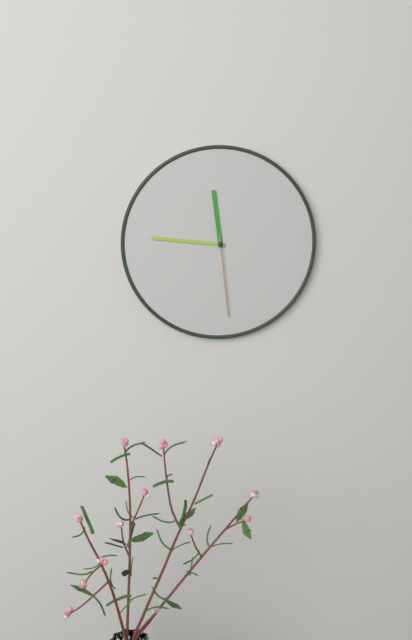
11:46:29
